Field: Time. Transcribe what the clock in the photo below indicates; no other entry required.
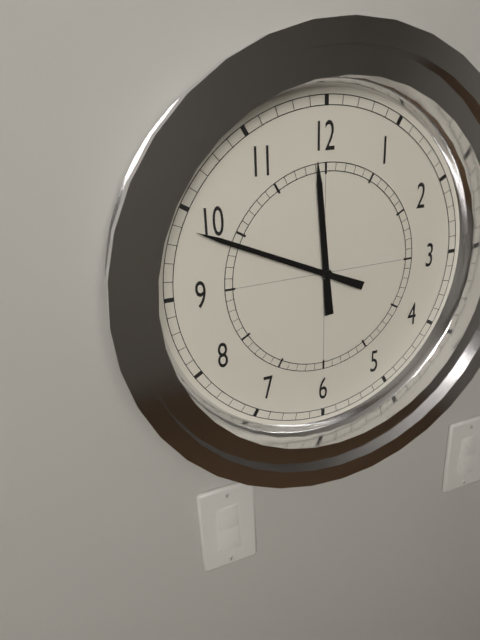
11:49
